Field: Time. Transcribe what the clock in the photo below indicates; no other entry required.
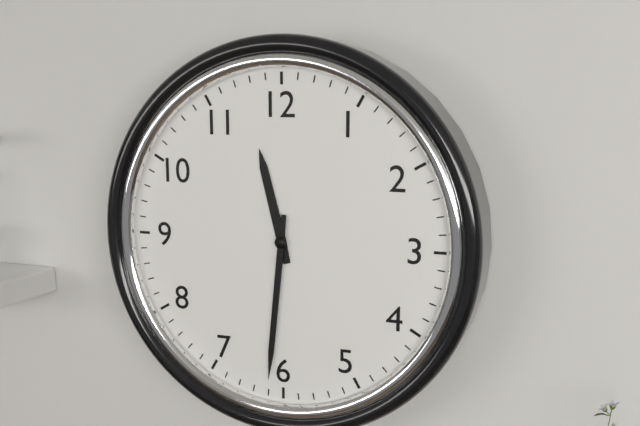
11:31
